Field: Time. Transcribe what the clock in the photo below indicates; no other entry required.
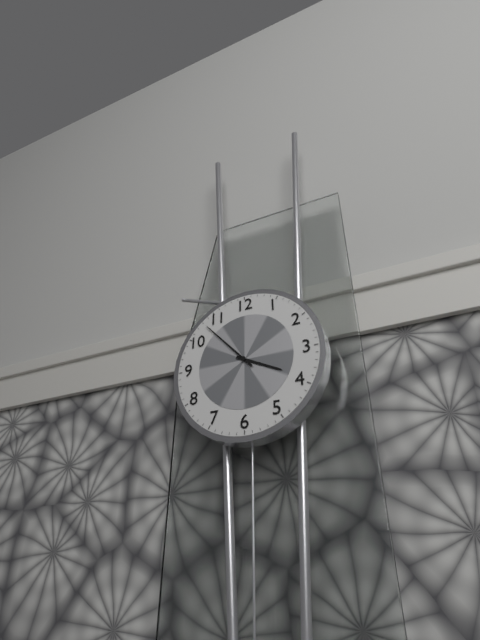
3:53
